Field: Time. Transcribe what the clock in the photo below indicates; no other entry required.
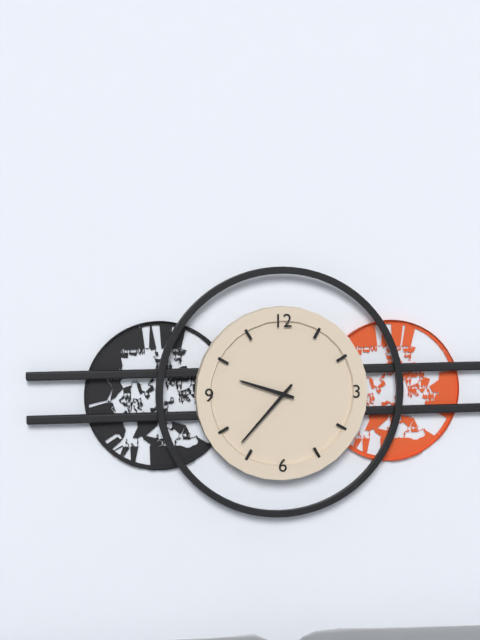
9:37
